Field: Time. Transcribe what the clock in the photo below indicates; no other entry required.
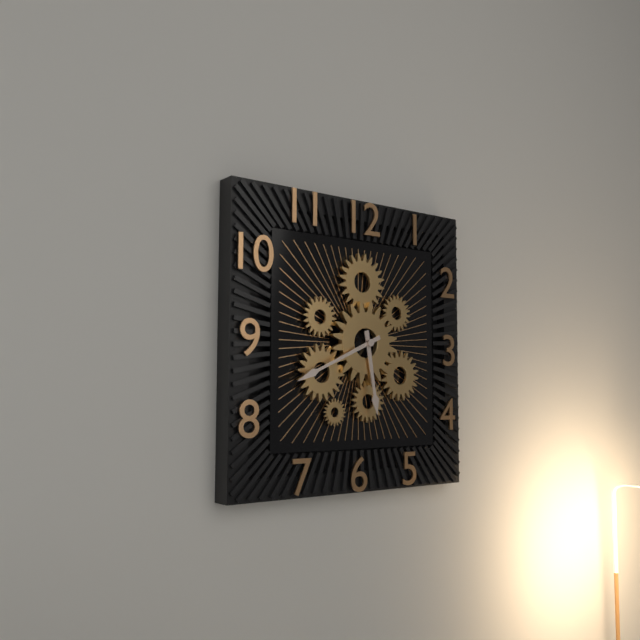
5:41
